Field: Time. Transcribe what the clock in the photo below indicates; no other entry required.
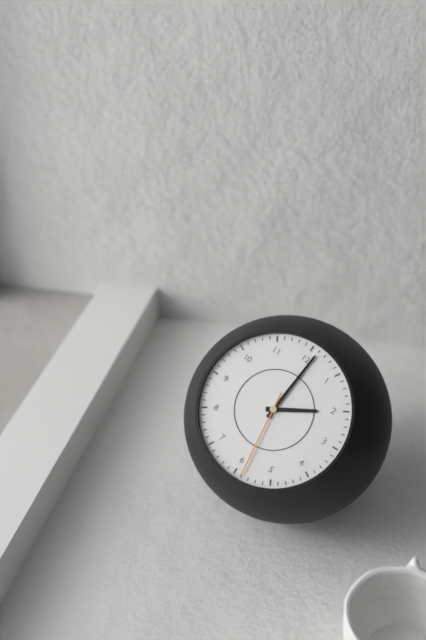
2:01:29
